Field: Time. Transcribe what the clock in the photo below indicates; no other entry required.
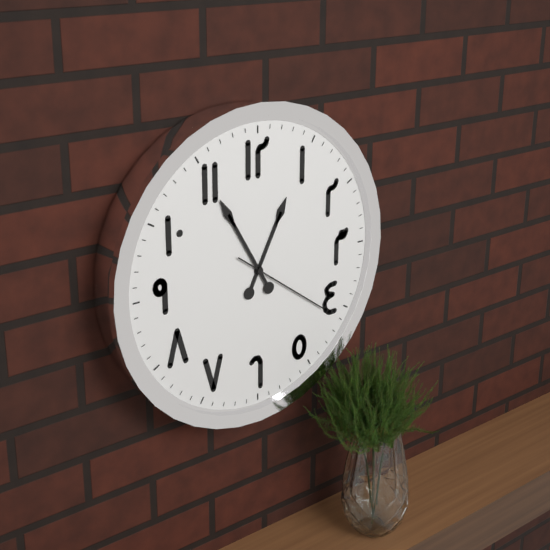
12:55:21
